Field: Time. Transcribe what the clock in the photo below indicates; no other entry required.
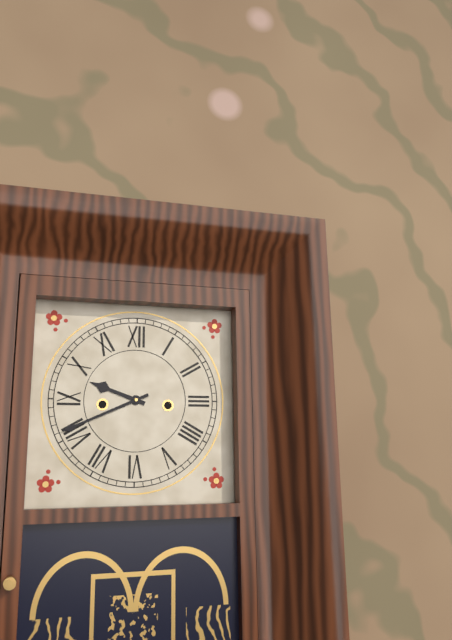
9:41
